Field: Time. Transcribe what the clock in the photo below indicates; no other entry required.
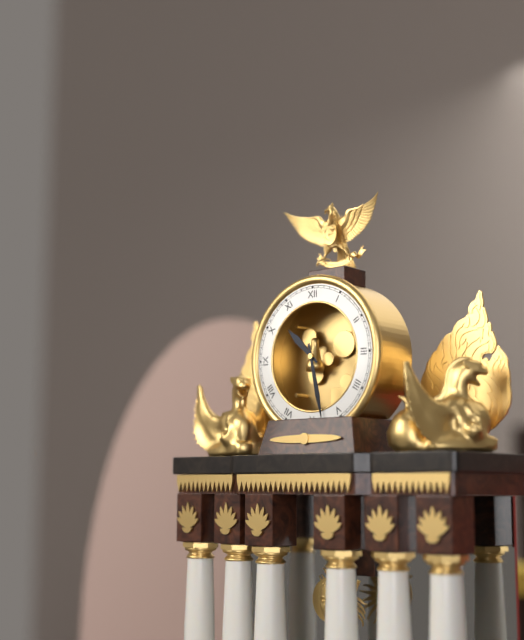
10:28
